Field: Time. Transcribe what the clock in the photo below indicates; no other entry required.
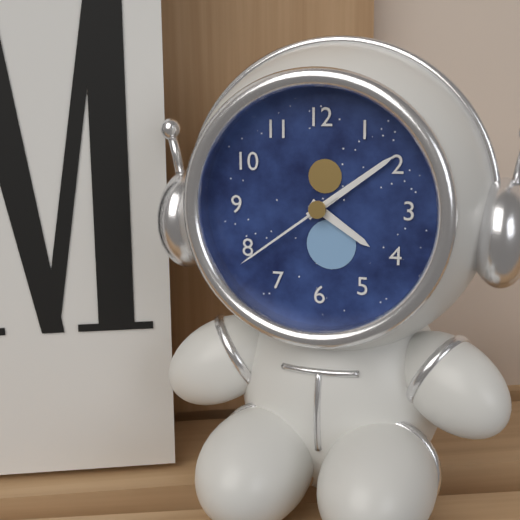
4:09:39
